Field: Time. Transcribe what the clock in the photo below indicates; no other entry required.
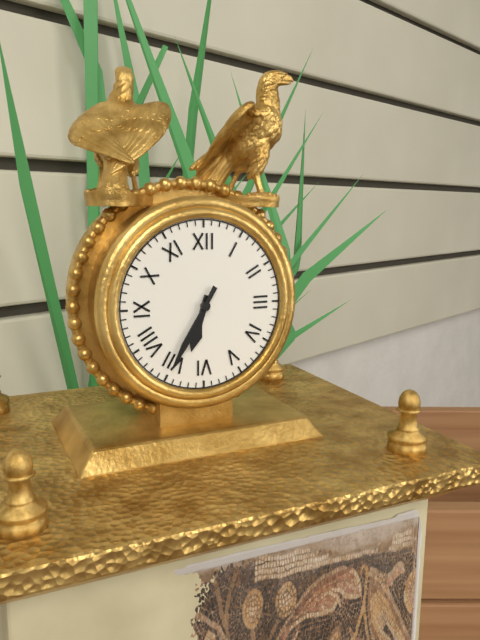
6:35
